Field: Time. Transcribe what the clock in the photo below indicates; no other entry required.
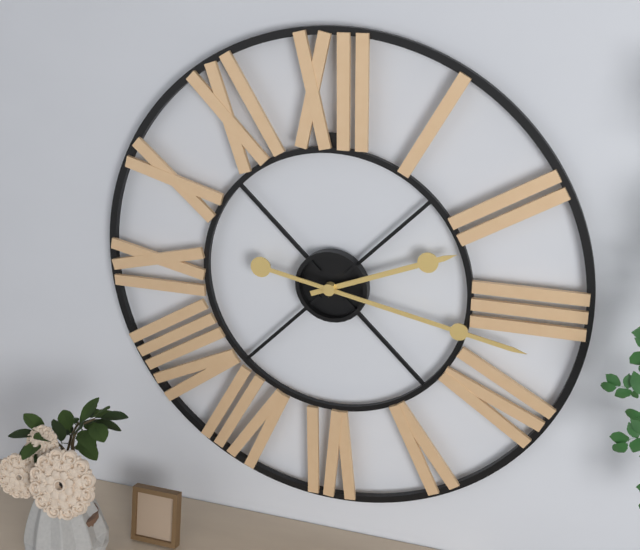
2:17
